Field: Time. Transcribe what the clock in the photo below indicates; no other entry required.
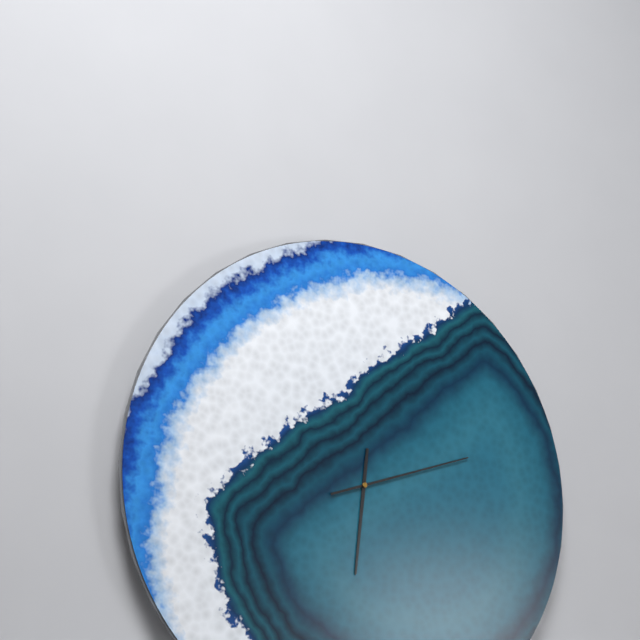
6:12
